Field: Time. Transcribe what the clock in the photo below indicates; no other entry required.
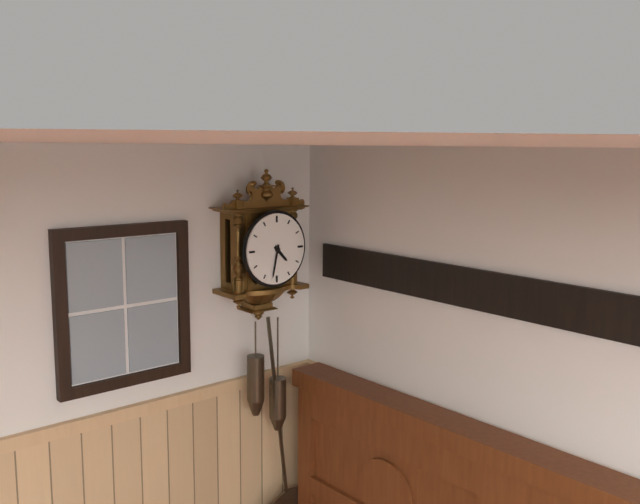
4:32
